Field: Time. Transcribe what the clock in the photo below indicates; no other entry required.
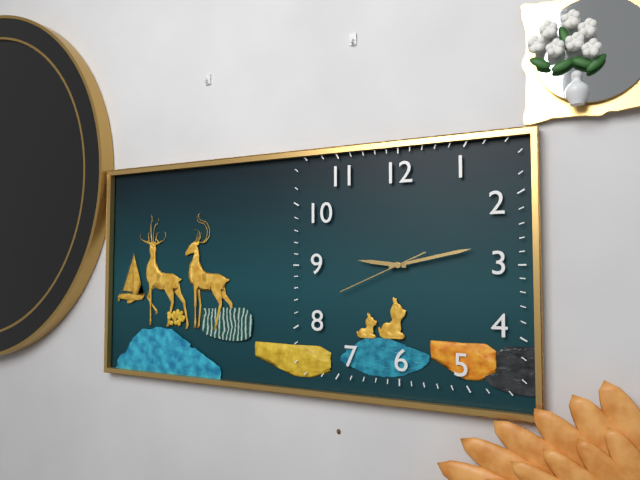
9:13:41
